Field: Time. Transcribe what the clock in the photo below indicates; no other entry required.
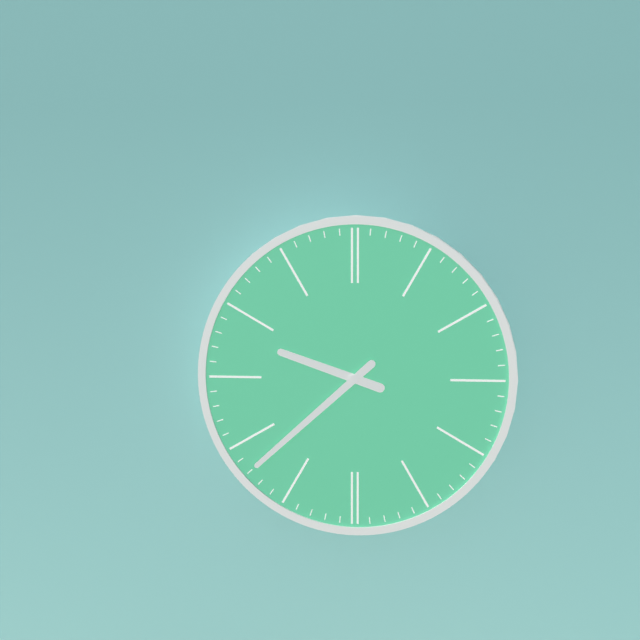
9:38
